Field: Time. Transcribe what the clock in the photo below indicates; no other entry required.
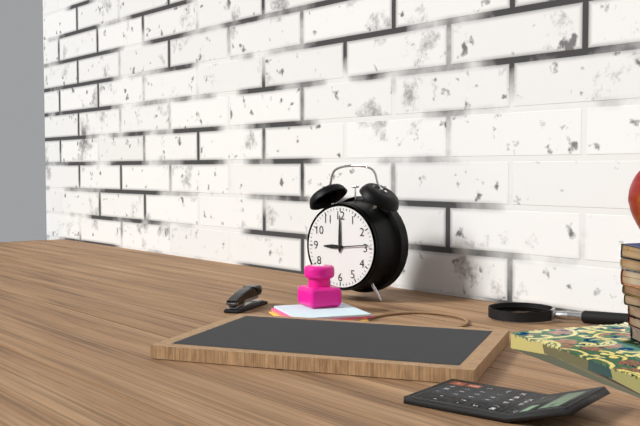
9:00
